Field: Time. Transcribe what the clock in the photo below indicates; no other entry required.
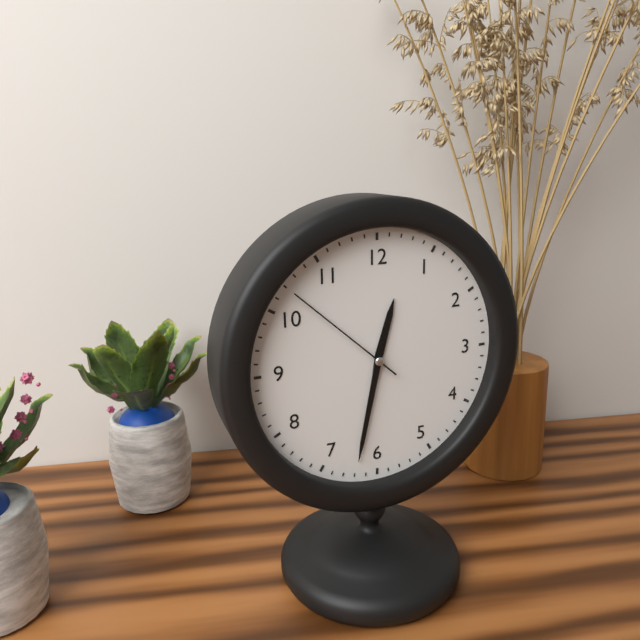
12:32:52
